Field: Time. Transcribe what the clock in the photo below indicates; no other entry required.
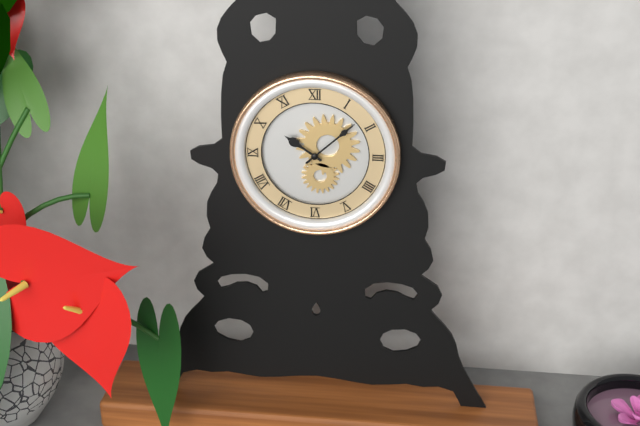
10:08
